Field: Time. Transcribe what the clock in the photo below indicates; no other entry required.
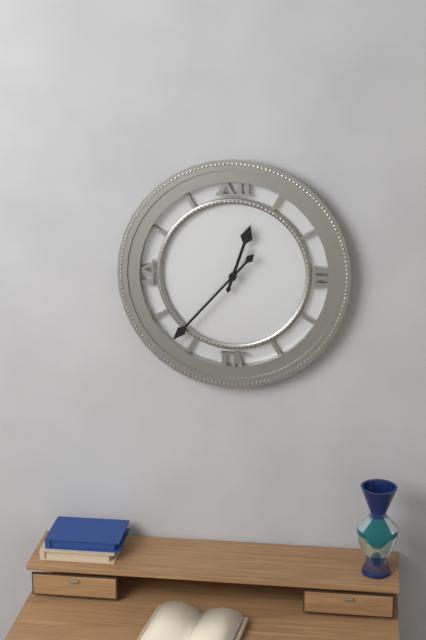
12:37
